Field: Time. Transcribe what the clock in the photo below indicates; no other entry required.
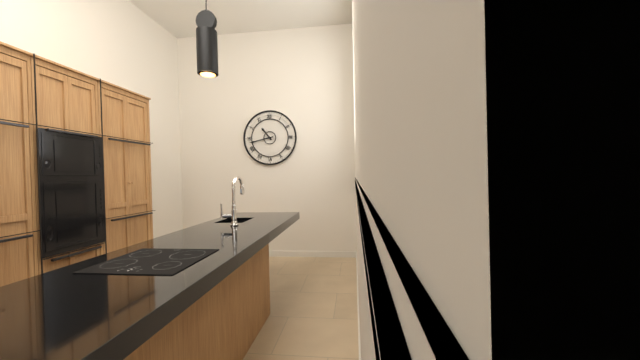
10:43
